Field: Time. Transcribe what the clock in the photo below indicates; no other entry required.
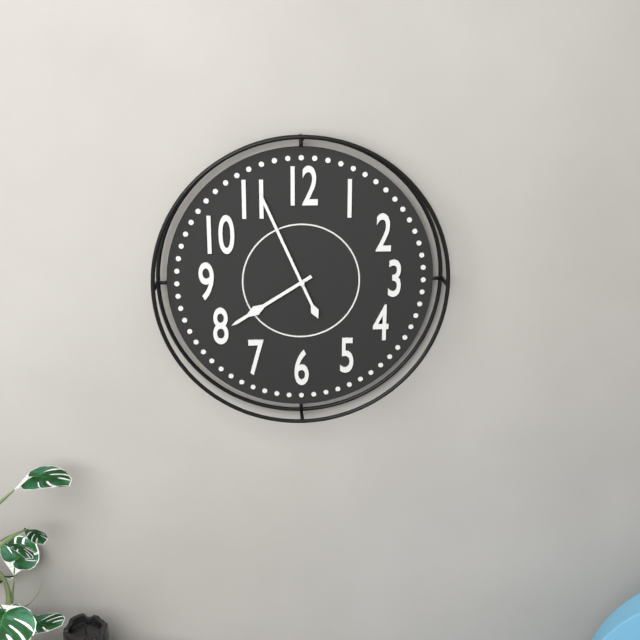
7:56
